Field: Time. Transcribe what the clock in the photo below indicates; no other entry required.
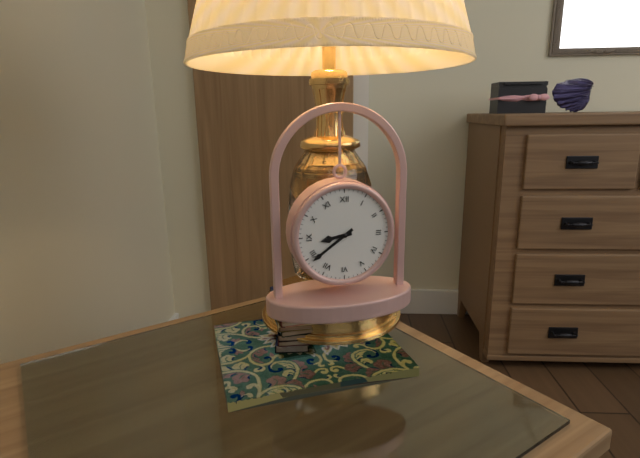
8:39
